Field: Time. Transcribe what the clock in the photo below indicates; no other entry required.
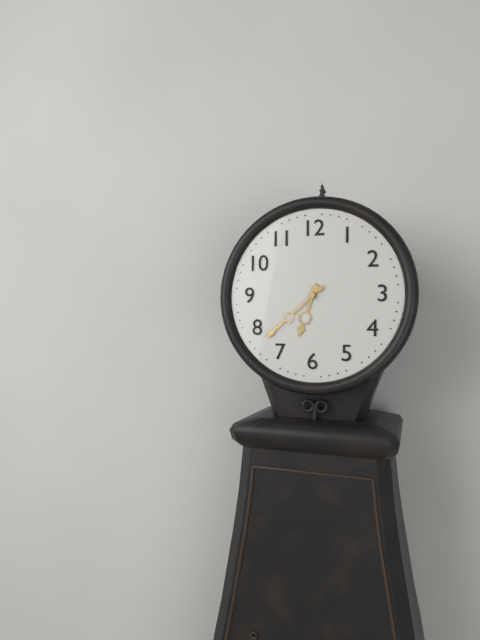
6:38
